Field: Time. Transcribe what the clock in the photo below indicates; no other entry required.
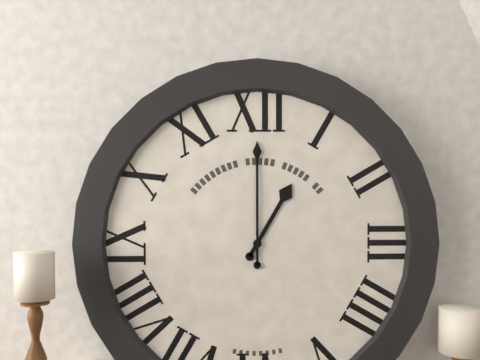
1:00
